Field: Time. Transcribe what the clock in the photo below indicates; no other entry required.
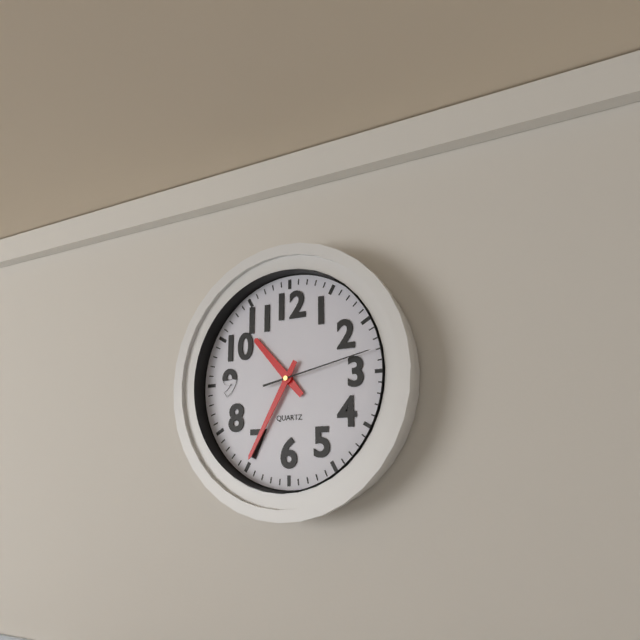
10:35:13
